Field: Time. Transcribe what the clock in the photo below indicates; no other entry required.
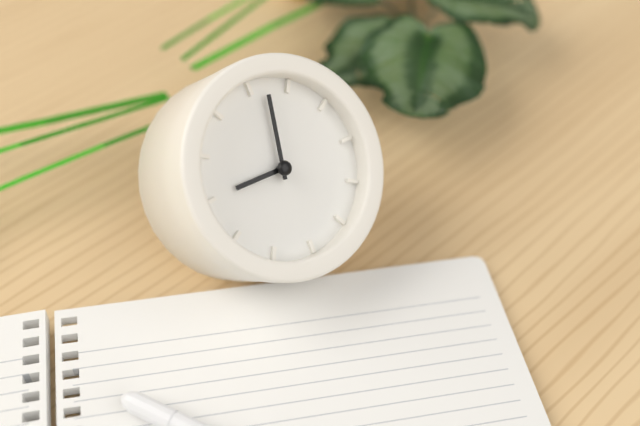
9:02
